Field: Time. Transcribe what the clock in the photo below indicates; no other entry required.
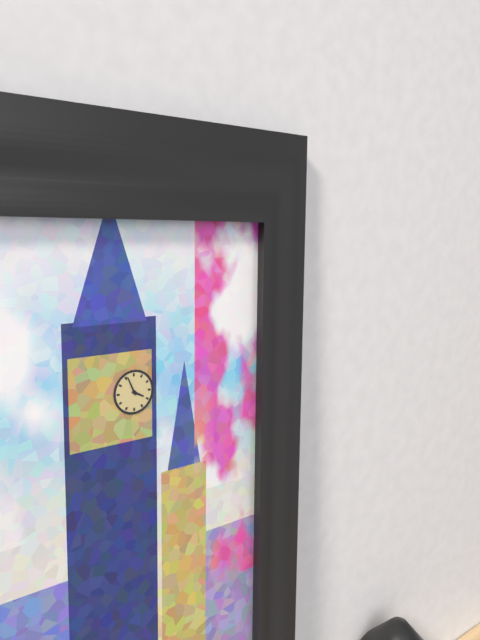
3:56
